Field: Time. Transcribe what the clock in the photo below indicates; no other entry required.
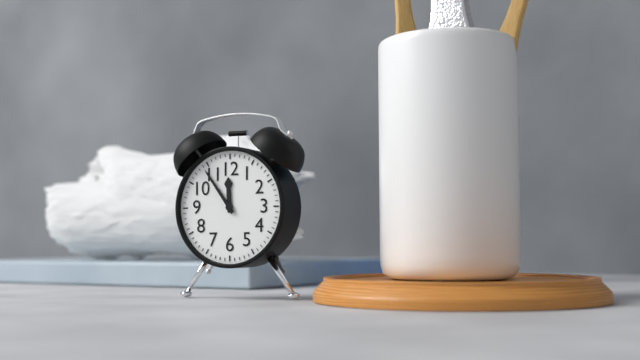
11:54
